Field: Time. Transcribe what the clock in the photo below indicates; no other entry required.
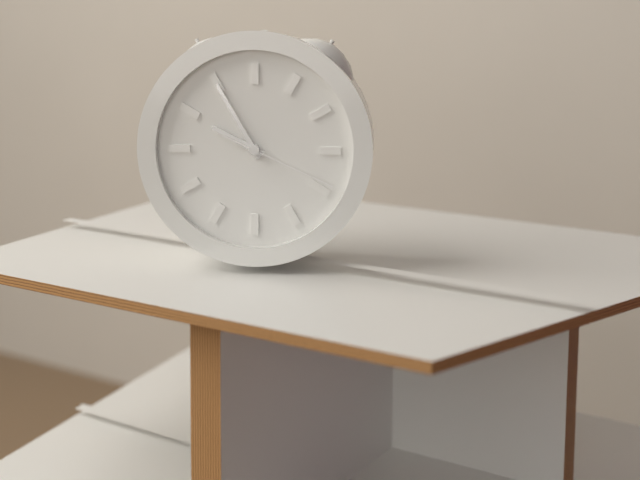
9:55:19
